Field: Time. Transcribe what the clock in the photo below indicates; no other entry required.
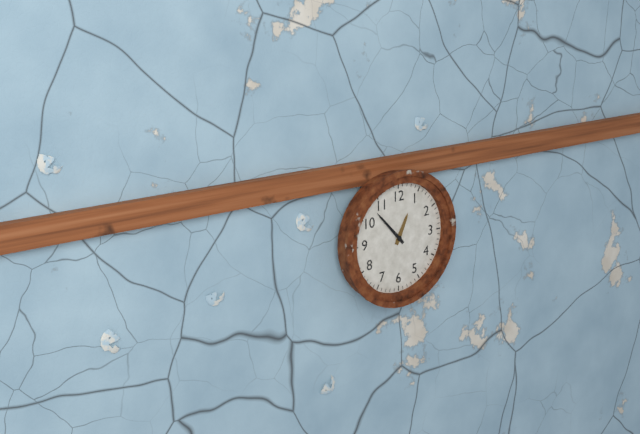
12:53
